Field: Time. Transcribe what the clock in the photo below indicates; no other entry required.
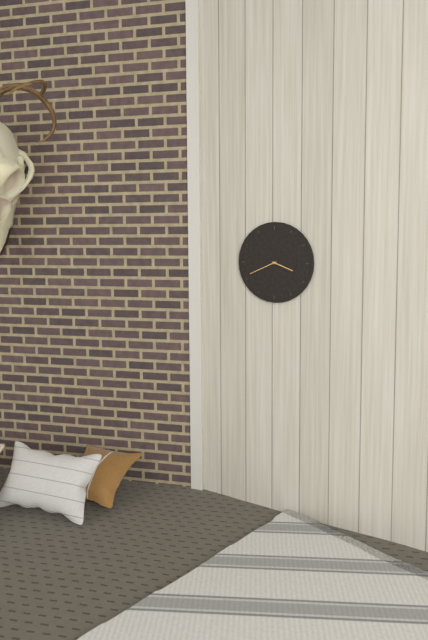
3:41
